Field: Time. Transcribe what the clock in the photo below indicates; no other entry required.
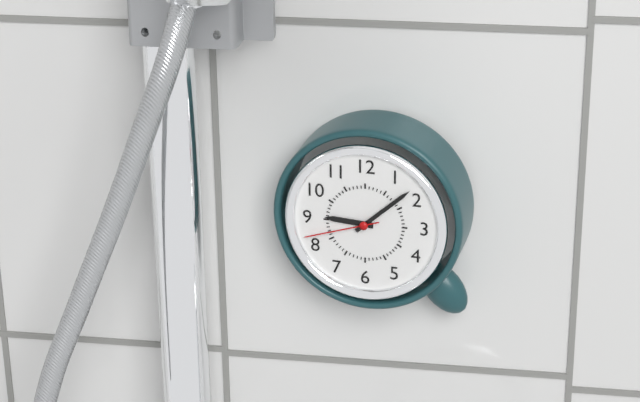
9:08:42
